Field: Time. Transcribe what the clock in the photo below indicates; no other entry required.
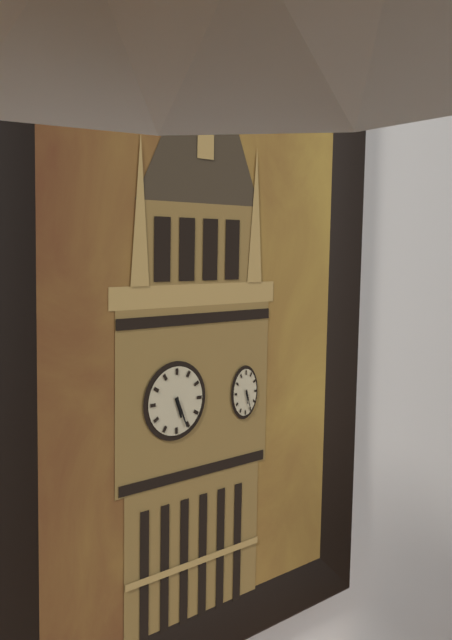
5:26
